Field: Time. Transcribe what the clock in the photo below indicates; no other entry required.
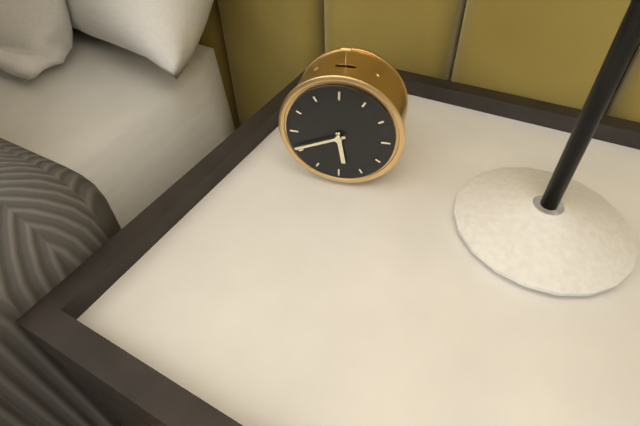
5:41
